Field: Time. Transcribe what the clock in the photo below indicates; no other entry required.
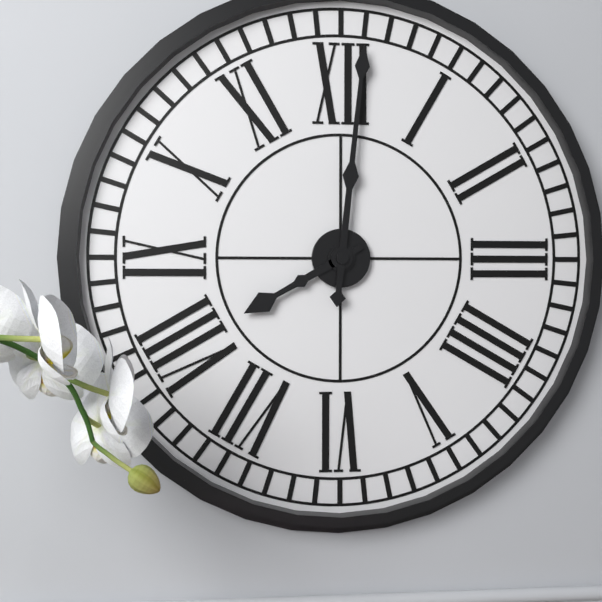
8:01
